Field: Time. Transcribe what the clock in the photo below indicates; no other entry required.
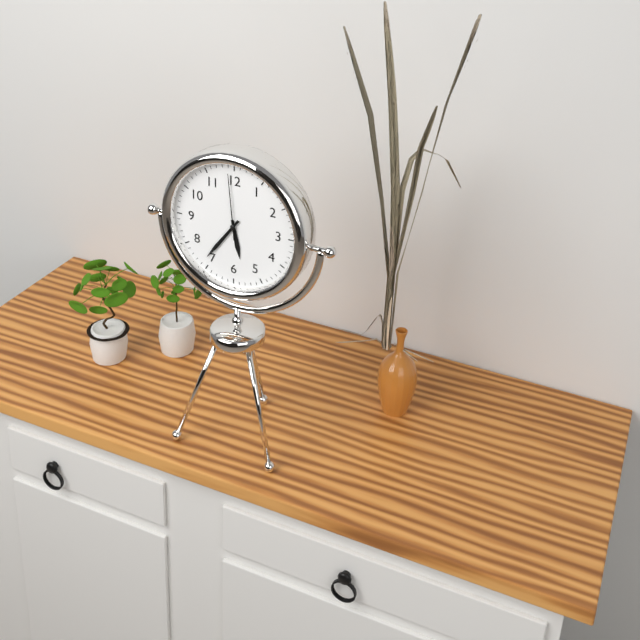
5:36:59
